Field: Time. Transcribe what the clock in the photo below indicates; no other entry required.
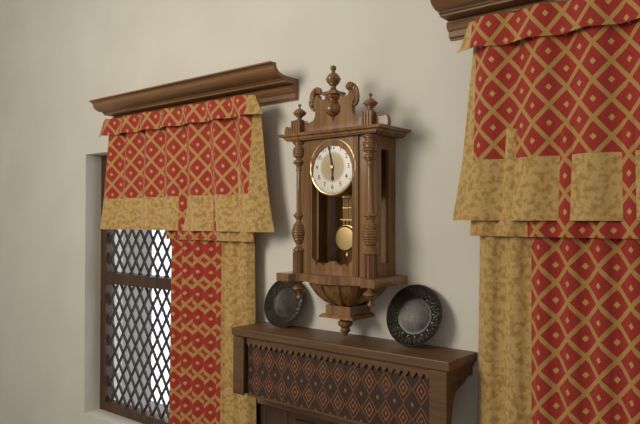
5:58
